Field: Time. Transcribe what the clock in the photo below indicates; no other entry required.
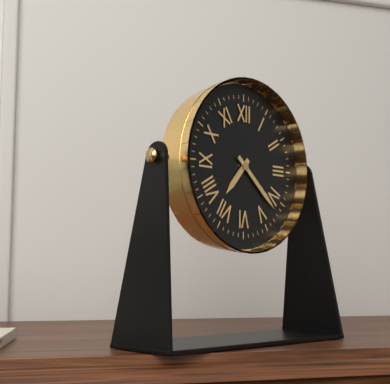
7:22
